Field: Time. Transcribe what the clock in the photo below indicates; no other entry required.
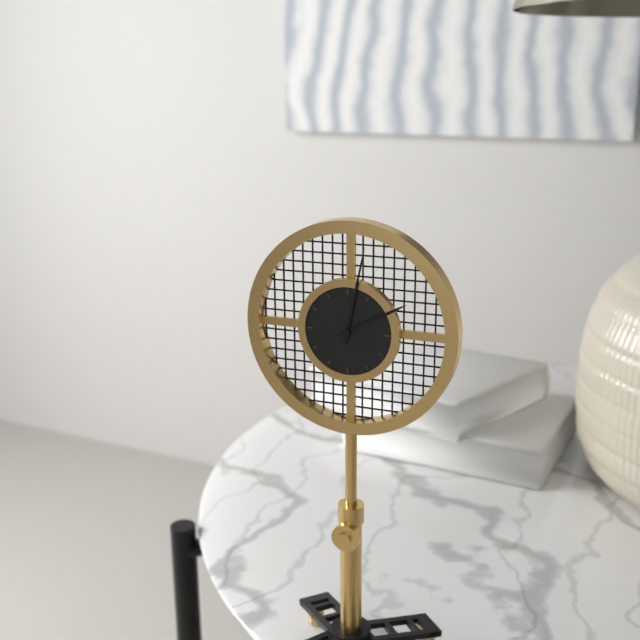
2:02
